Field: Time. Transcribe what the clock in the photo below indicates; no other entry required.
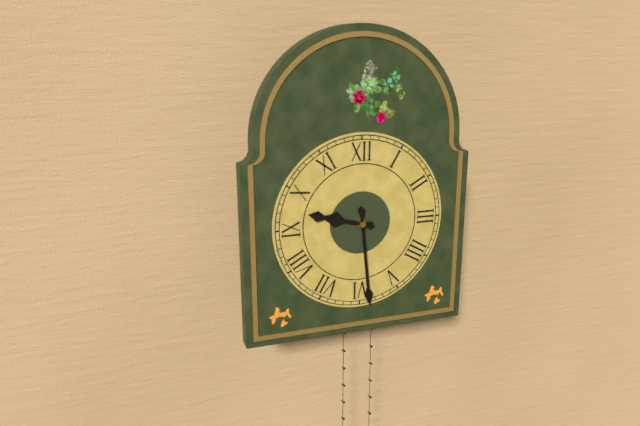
9:29
